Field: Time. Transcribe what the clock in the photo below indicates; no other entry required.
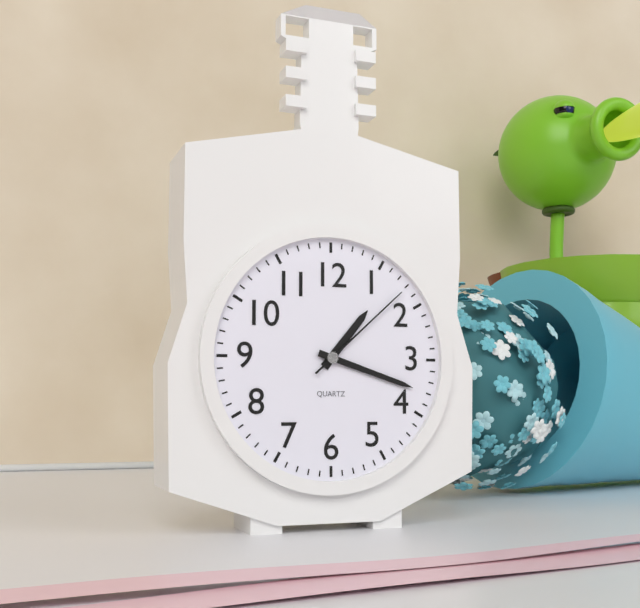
1:18:08
